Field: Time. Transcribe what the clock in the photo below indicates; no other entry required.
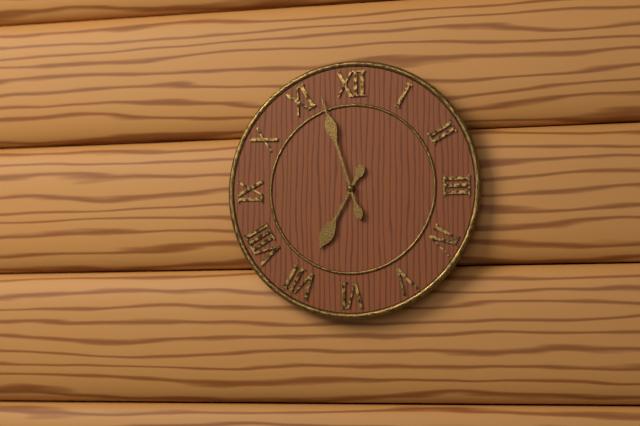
6:57
